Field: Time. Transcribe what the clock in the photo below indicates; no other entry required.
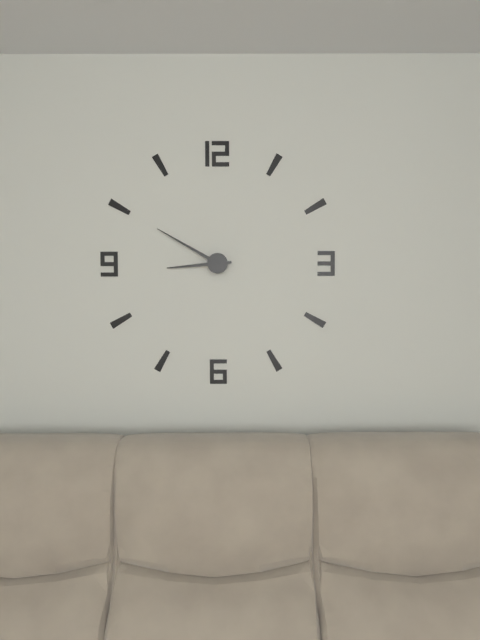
8:50
